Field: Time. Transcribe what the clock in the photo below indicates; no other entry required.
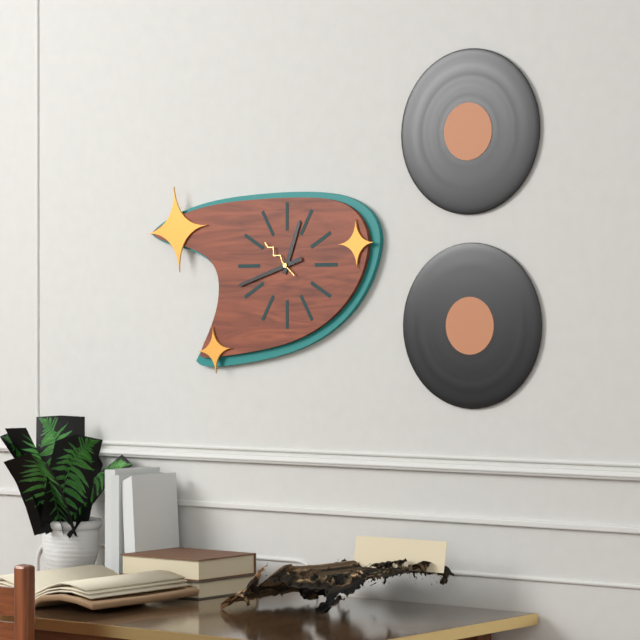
12:42
